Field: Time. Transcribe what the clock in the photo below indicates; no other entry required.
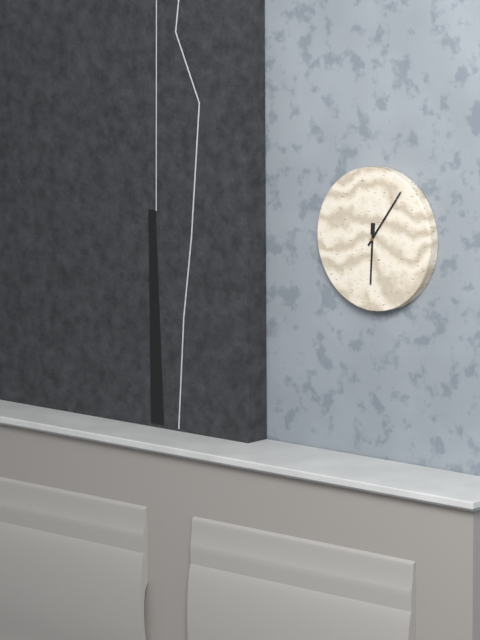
6:06
